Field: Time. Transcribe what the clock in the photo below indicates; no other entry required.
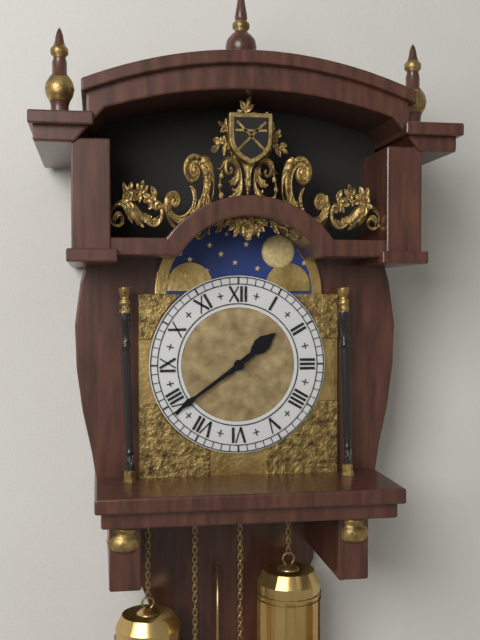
1:39
